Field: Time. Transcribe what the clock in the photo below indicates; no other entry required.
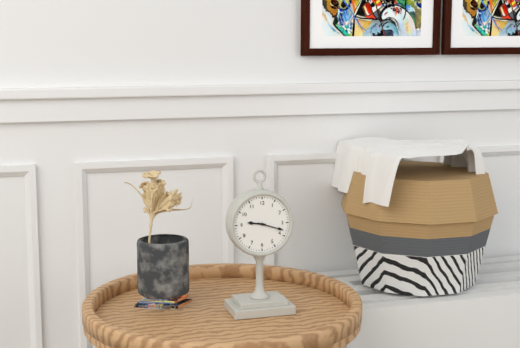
9:18
